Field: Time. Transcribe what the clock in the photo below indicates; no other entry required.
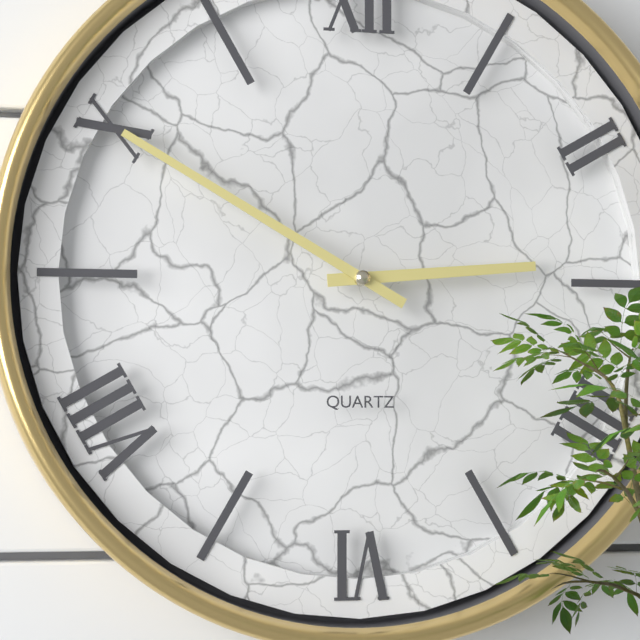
2:50
